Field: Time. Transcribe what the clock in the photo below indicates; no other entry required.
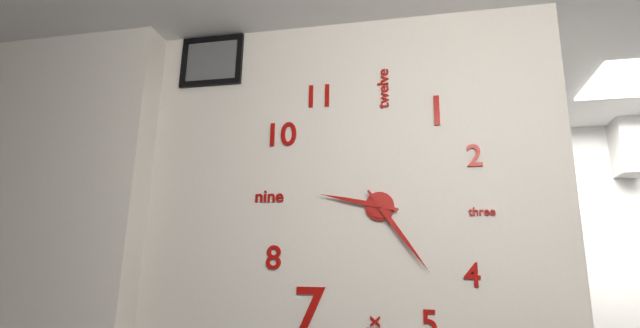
9:24
